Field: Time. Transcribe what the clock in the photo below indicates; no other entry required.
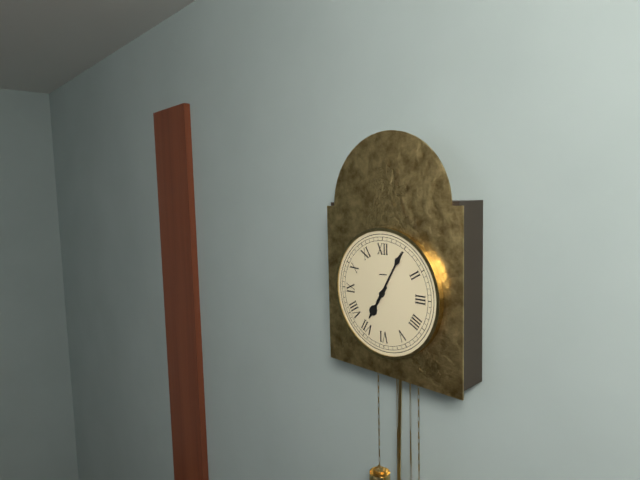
7:05
